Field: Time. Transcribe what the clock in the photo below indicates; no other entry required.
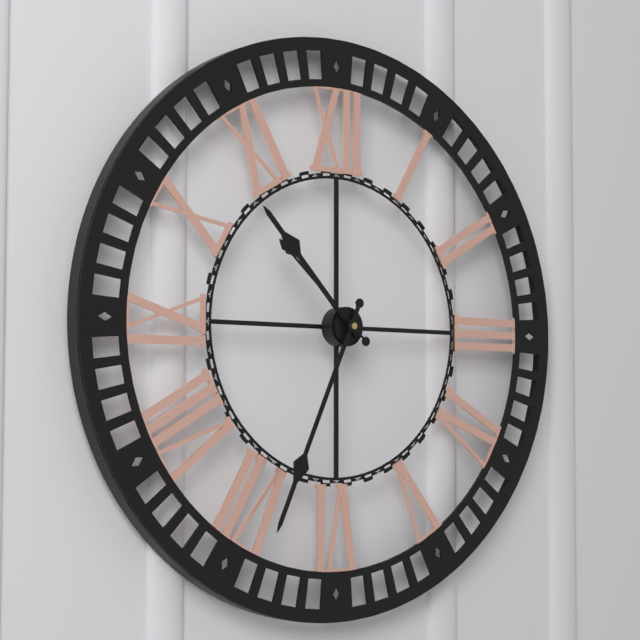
10:34:52
